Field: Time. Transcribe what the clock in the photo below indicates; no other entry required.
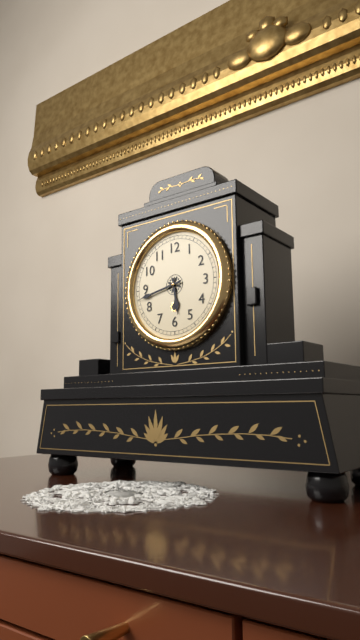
5:43
